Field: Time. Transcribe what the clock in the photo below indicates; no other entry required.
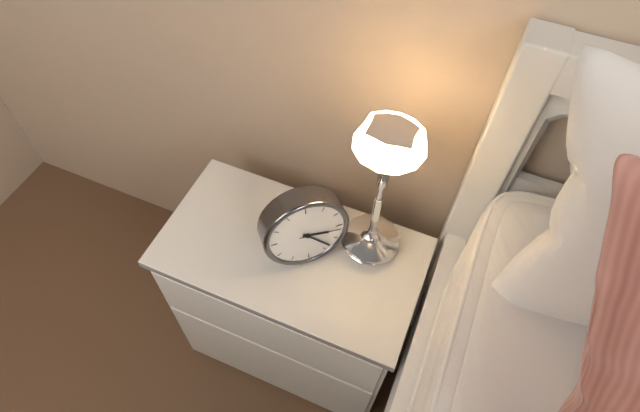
3:23
